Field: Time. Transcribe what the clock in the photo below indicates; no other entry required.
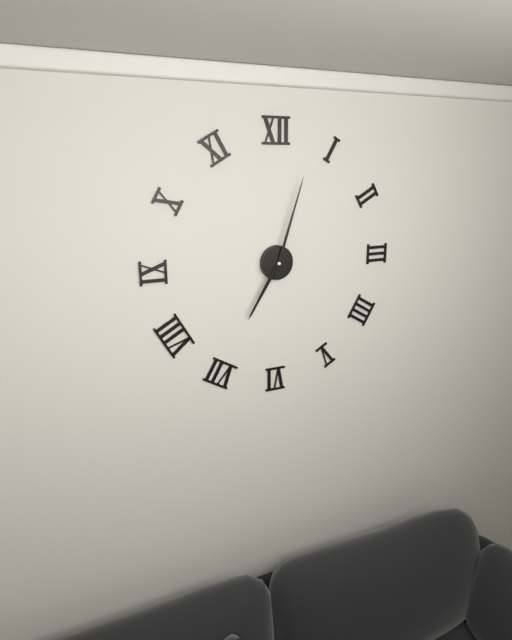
7:03
